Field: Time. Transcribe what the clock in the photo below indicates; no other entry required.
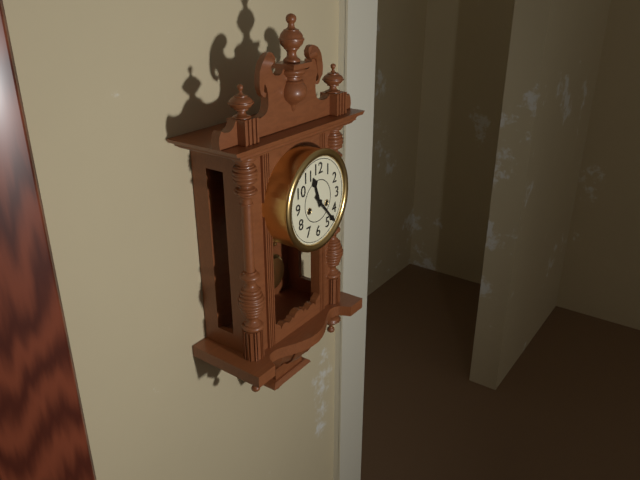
11:23
